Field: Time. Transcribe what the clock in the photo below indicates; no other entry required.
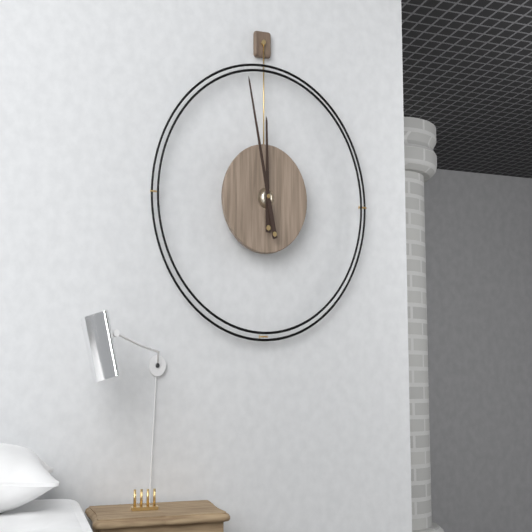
11:58
